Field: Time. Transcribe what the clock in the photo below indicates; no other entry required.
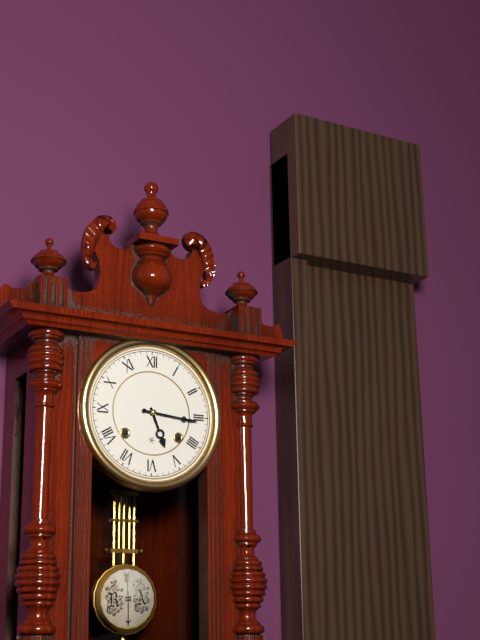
5:16
